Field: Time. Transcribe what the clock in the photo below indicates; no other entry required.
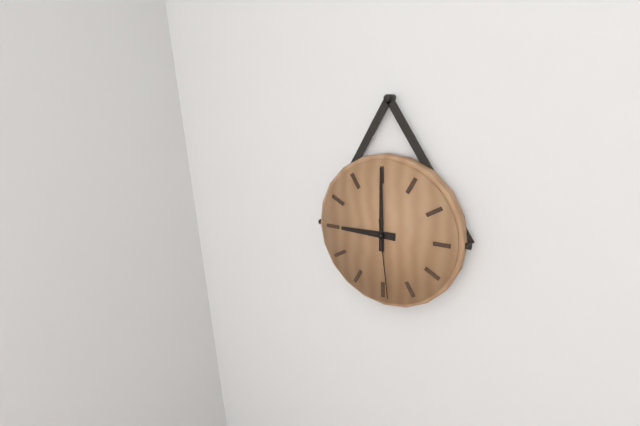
9:00:29
